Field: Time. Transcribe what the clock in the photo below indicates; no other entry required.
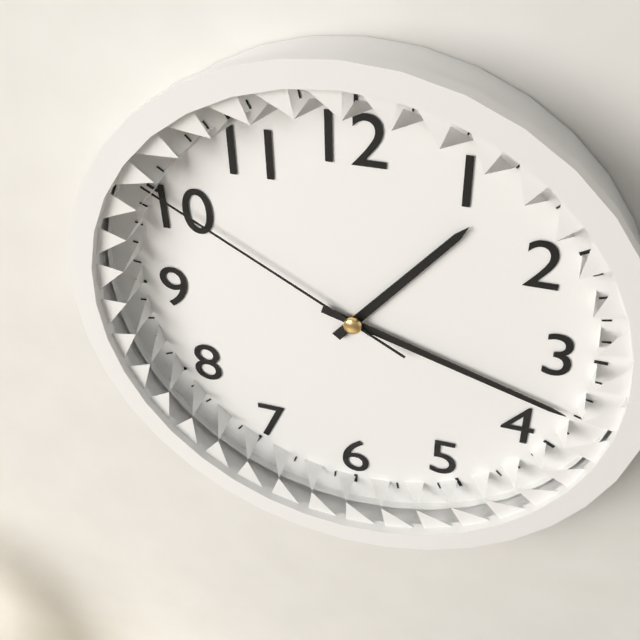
1:18:50
